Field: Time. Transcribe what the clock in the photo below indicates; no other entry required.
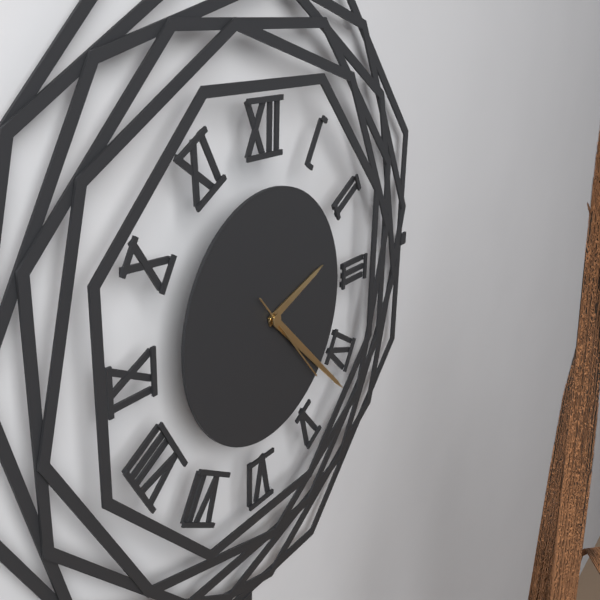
2:22:23
